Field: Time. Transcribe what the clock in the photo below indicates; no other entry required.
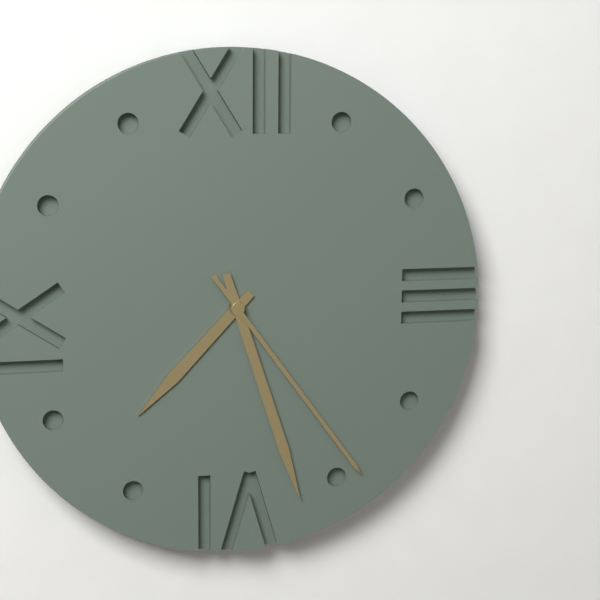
7:27:24
